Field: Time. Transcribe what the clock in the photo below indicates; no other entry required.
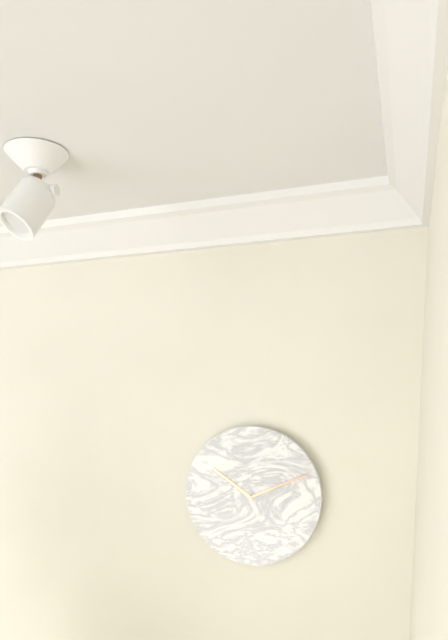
10:11
